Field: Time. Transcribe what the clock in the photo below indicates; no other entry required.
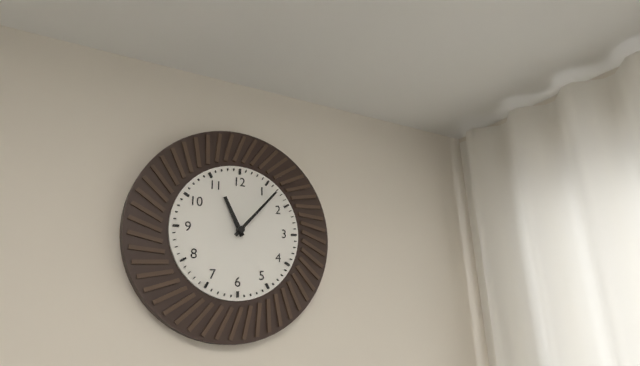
11:07
